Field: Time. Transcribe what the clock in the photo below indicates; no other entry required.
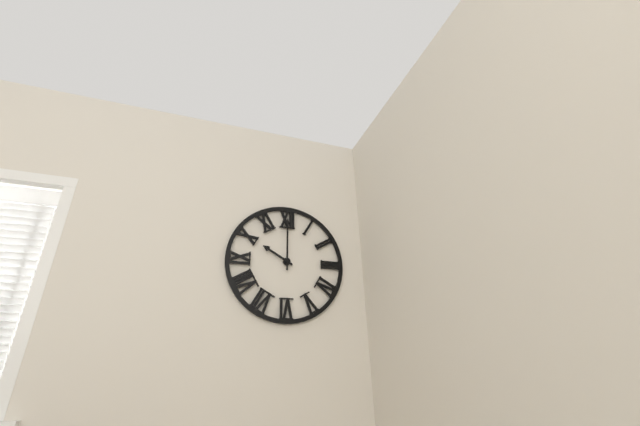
10:00
